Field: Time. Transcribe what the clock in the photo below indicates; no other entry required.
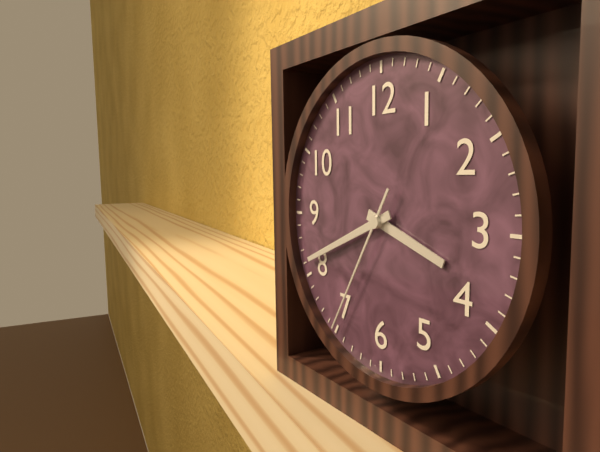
3:41:35
